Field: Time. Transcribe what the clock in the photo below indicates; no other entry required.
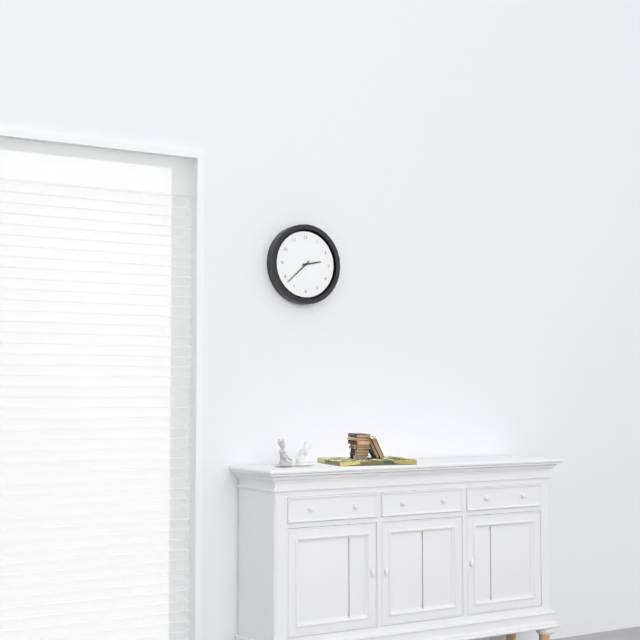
2:38
